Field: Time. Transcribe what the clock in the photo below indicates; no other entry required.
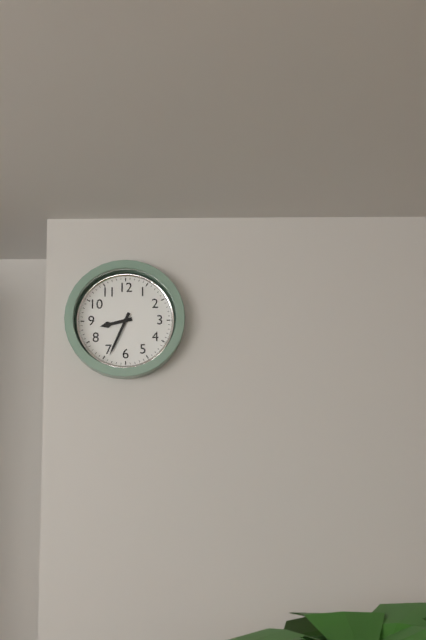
8:34
